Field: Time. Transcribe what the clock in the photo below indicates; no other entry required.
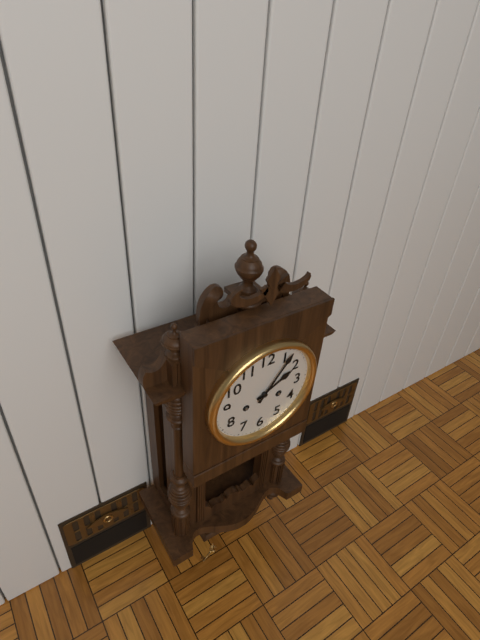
2:06
